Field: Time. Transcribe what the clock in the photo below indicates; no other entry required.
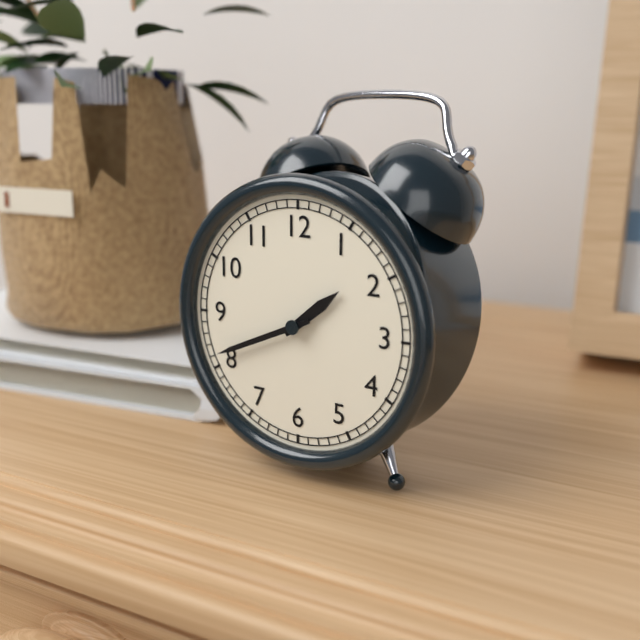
1:41
